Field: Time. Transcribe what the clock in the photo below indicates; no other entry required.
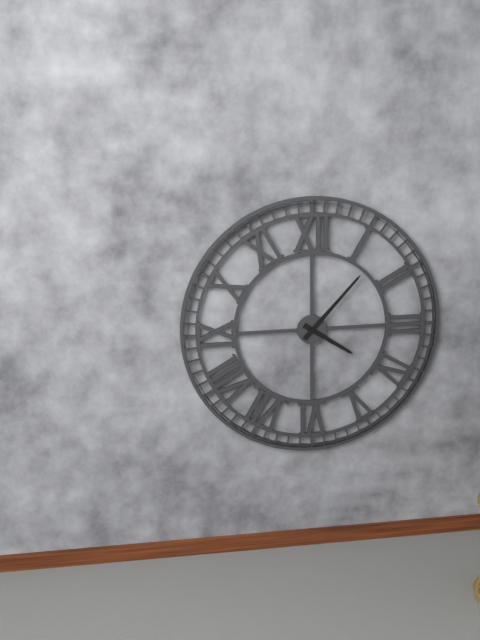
4:07
